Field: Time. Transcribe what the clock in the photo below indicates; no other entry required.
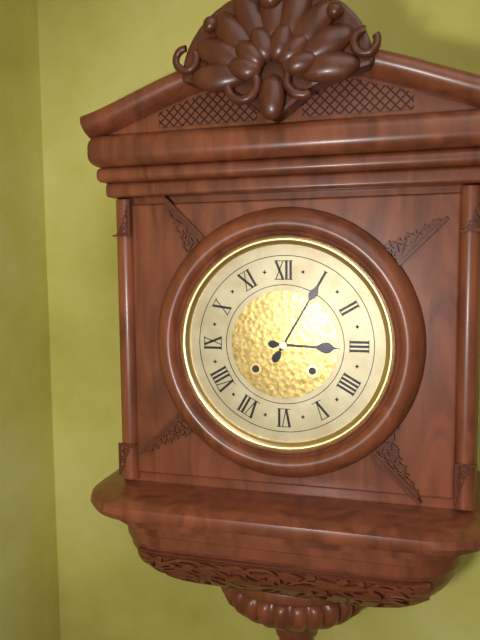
3:05
